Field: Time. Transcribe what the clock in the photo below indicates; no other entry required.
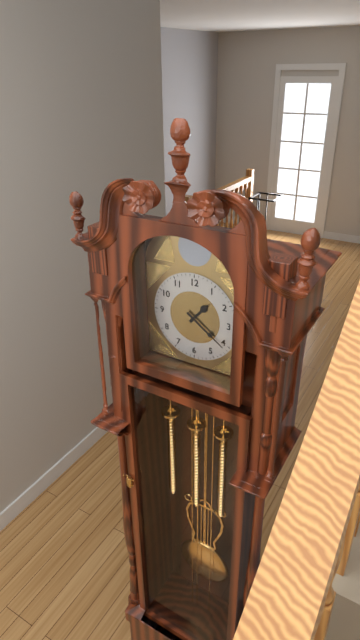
1:21
